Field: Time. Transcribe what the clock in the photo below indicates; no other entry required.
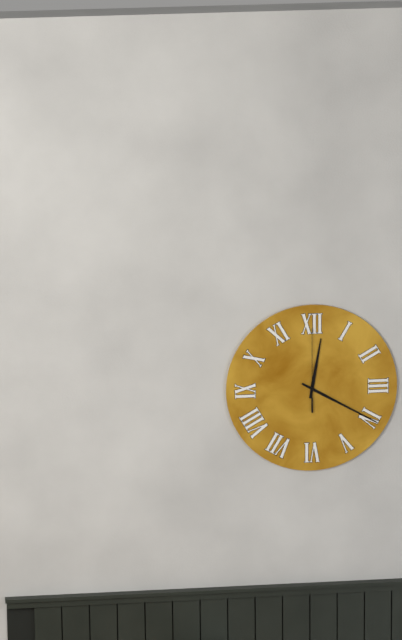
12:20:00
